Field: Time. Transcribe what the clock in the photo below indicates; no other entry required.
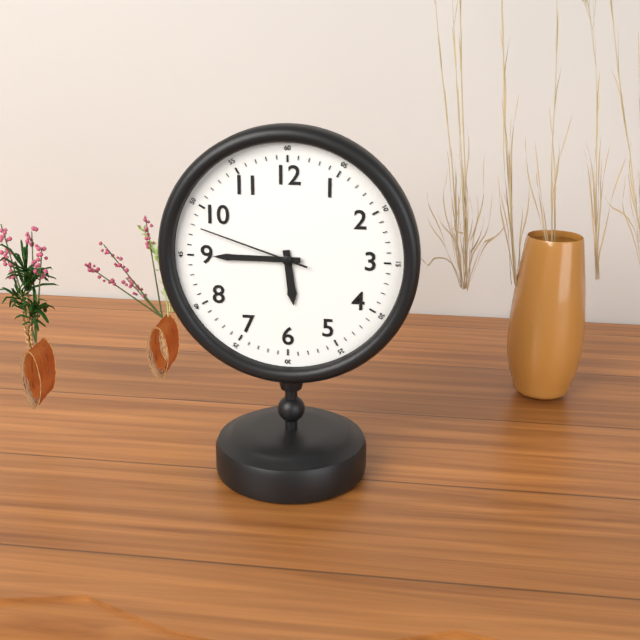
5:45:48
